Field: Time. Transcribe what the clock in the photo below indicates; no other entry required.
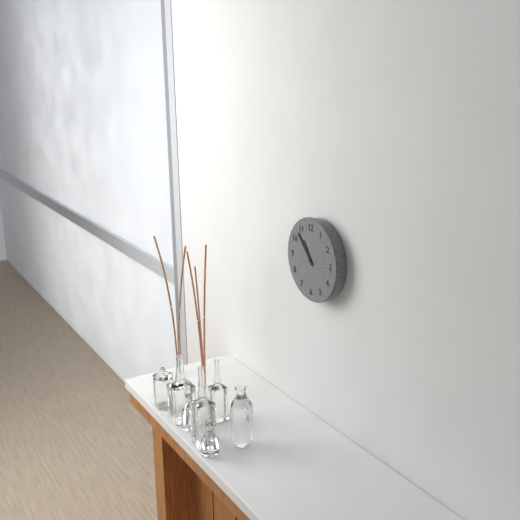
10:53
